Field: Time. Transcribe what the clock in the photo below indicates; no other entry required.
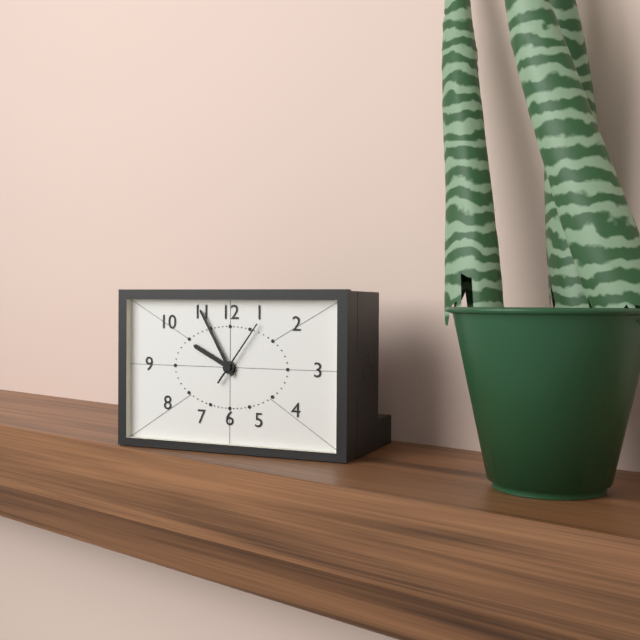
9:55:06
